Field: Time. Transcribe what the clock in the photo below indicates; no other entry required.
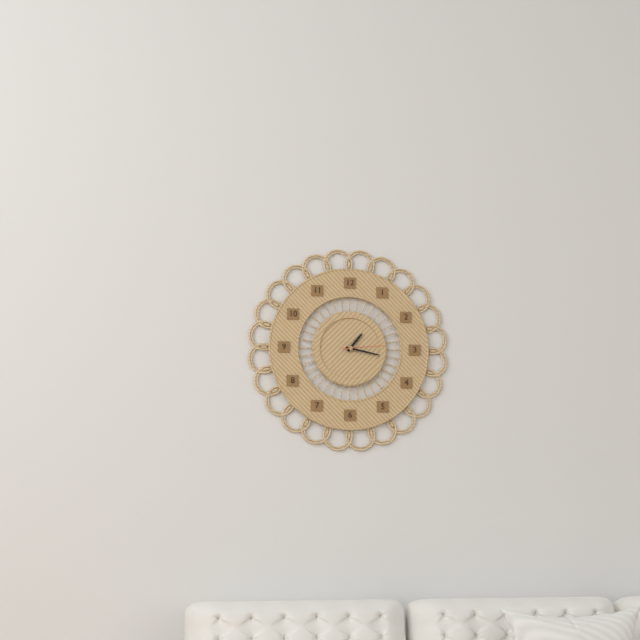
1:17
